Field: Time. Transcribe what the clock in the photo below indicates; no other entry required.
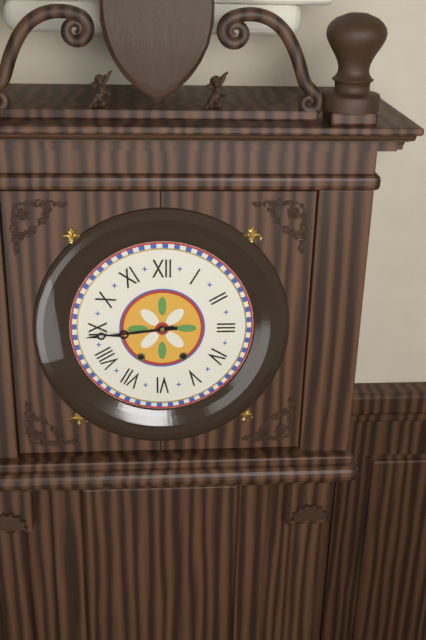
8:44
